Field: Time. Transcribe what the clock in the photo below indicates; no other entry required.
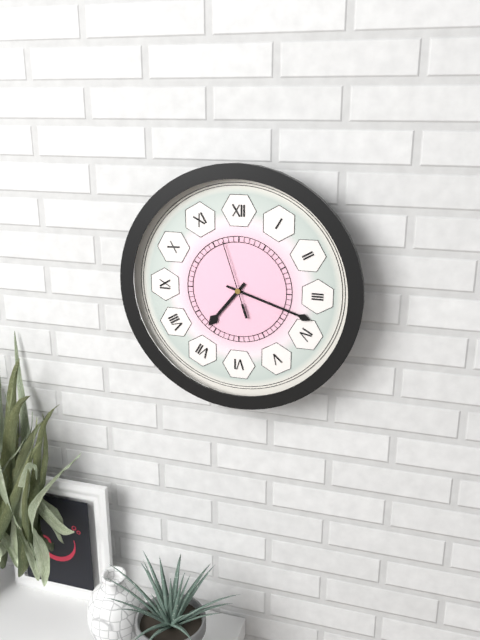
7:18:57
